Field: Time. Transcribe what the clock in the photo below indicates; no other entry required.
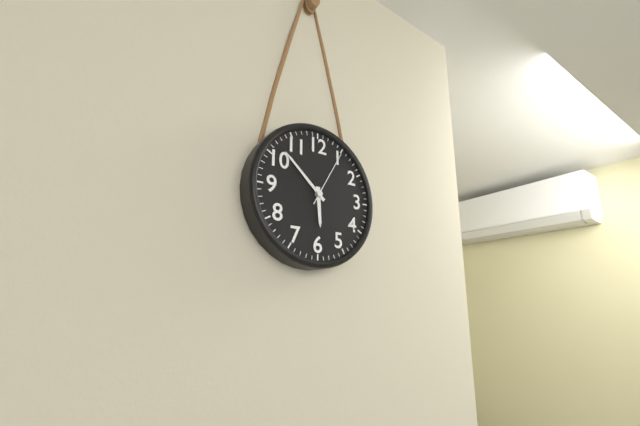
5:52:05
